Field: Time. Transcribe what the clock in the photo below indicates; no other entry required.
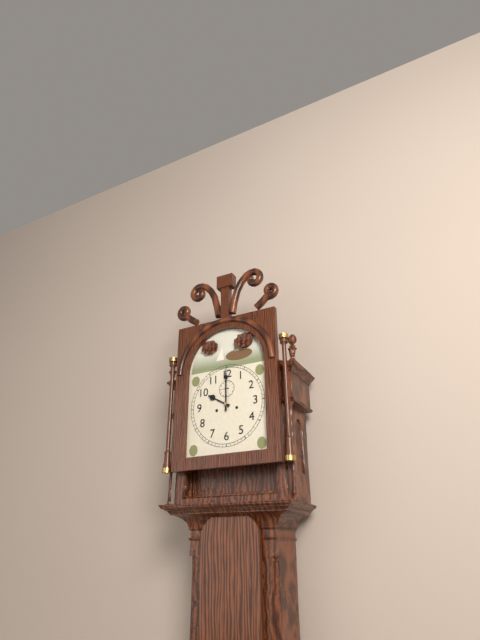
10:00
